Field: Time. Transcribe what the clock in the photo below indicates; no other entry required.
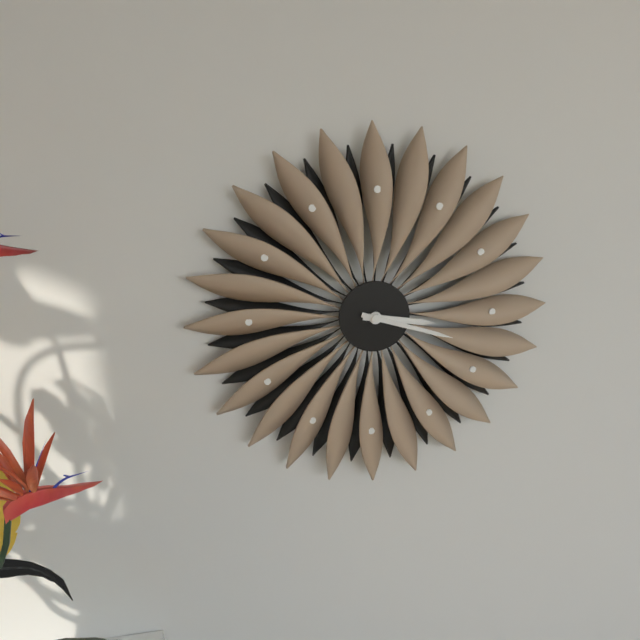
3:18
